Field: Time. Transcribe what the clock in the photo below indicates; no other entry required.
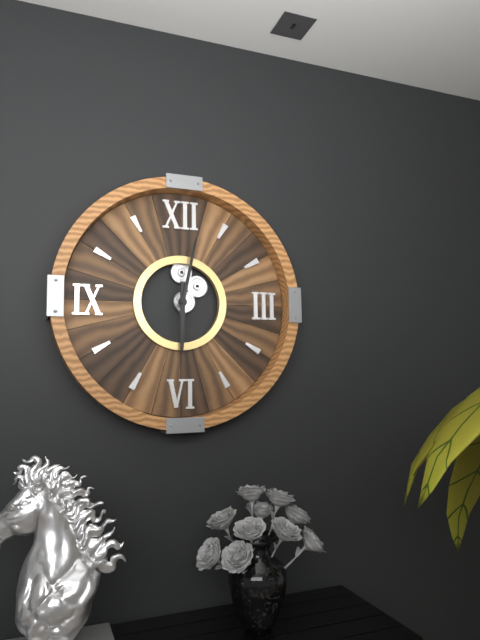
6:02
